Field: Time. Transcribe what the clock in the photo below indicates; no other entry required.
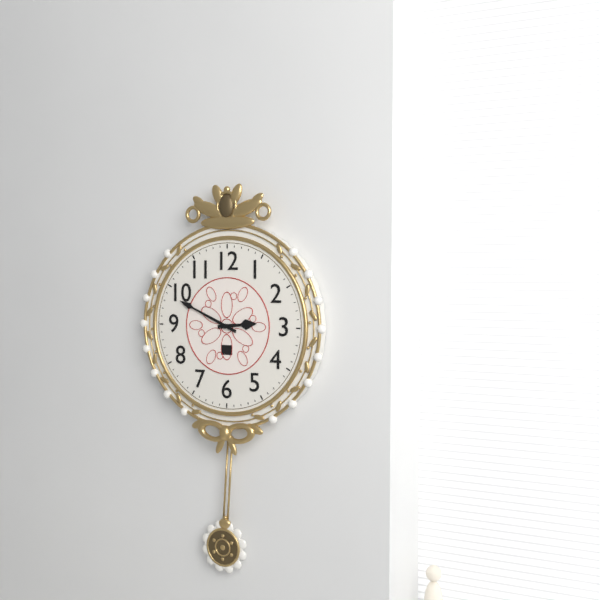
2:49
